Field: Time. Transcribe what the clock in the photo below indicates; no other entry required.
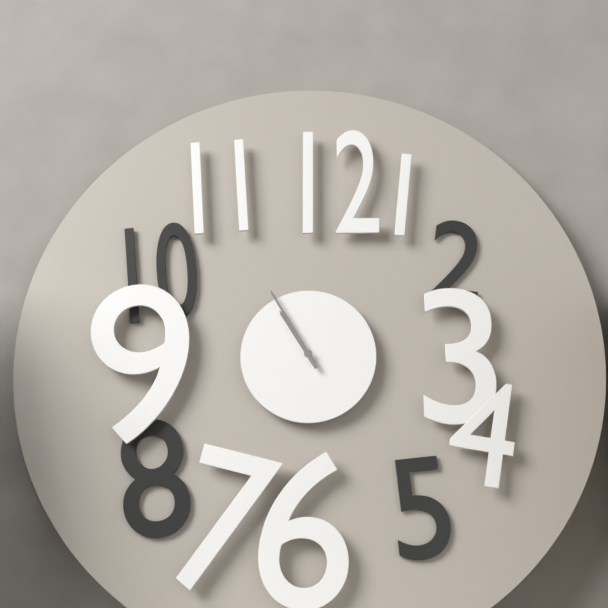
10:55
